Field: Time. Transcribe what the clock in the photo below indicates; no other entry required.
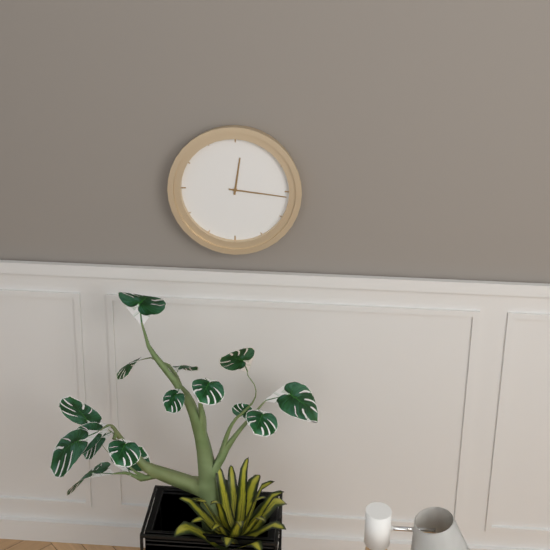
12:16
